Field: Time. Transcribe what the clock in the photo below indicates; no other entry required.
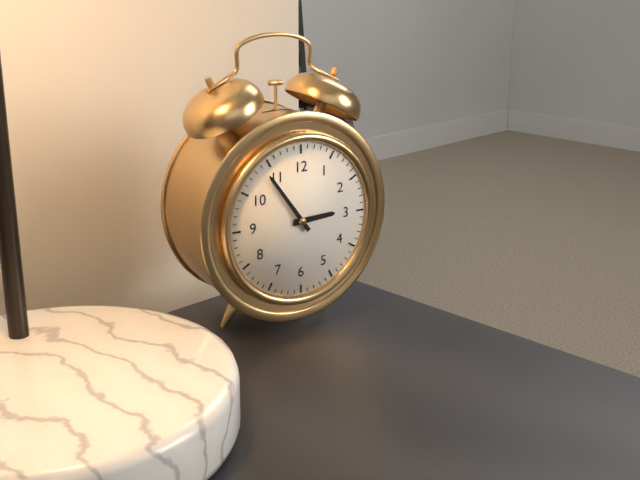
2:54
